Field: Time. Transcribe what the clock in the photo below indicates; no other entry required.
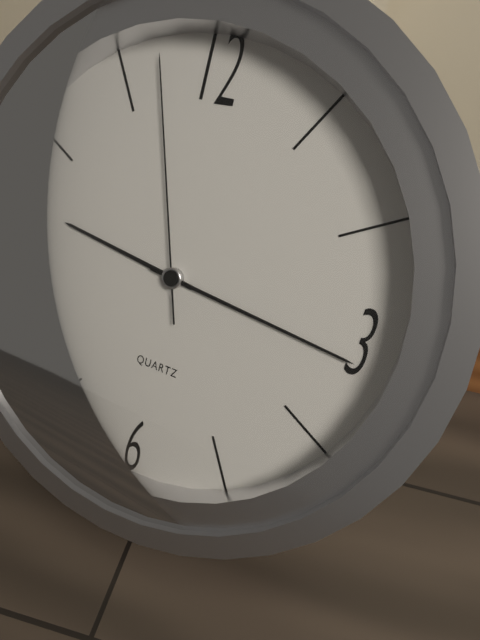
9:16:57
